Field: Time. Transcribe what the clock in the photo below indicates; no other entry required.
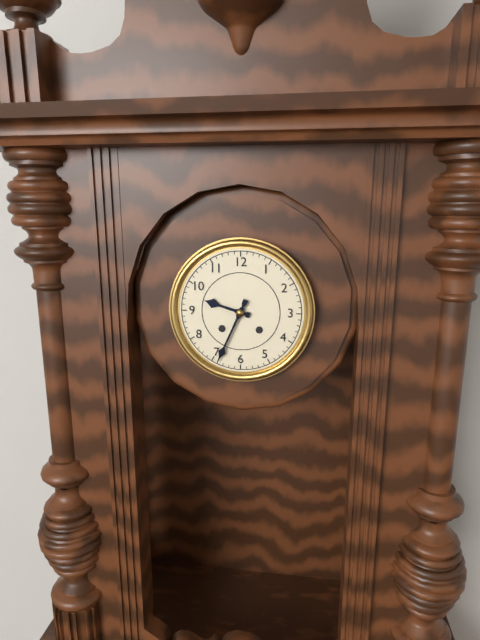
9:34
